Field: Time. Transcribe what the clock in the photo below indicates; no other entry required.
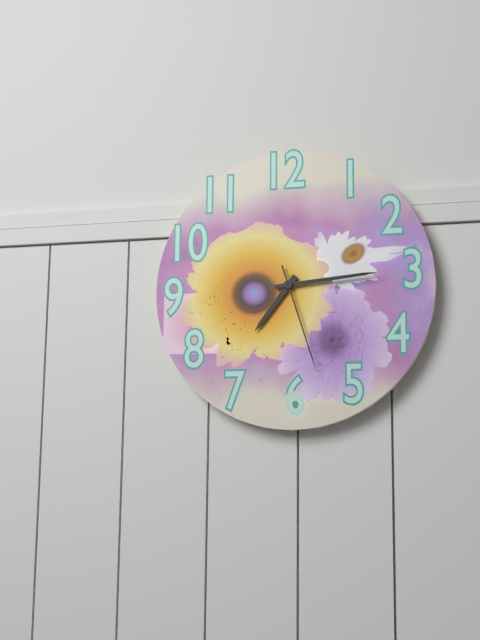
7:14:27
